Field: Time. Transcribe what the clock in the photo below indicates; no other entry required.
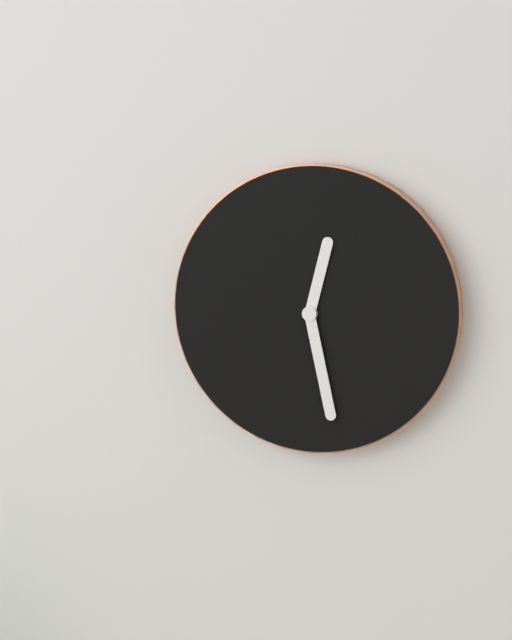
12:28
